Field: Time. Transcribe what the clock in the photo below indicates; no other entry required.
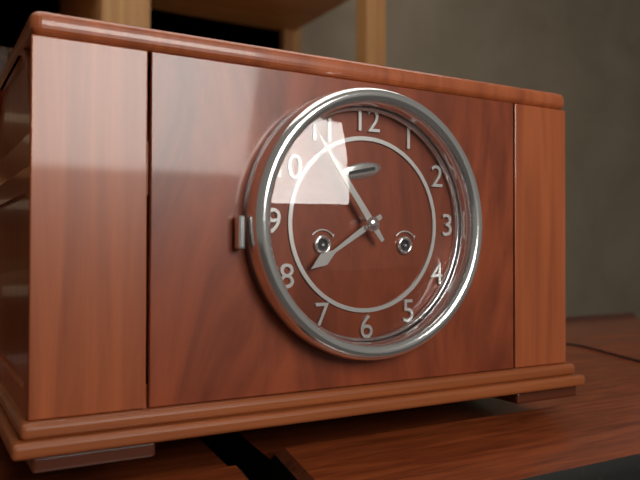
7:54
